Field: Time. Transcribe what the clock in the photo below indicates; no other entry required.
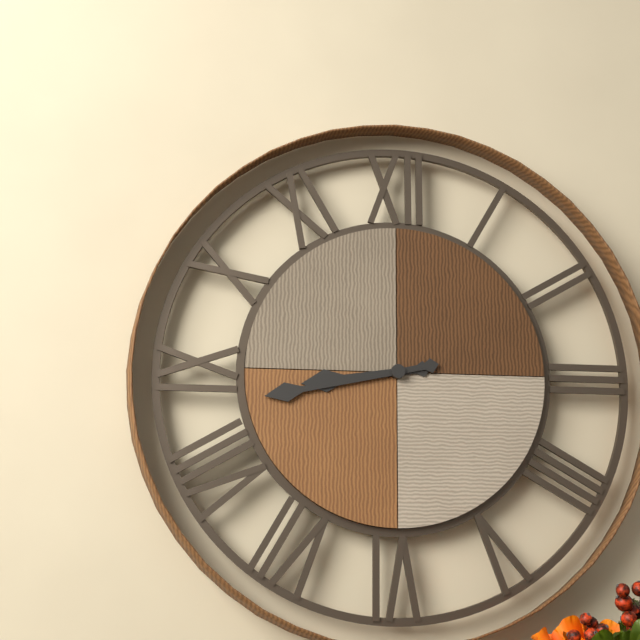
8:43
